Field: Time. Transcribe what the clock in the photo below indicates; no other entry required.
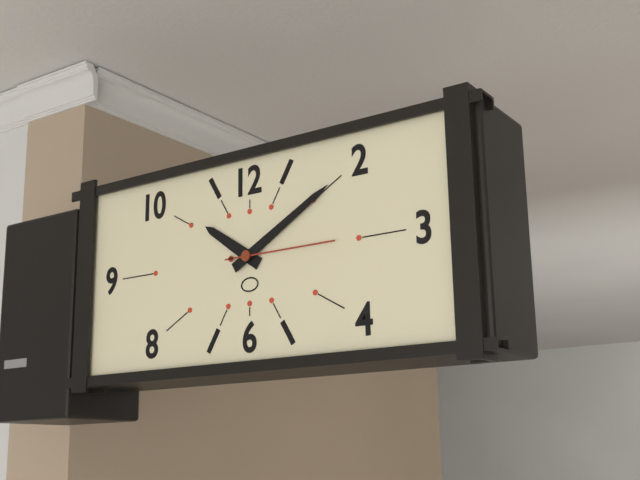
10:10:15
